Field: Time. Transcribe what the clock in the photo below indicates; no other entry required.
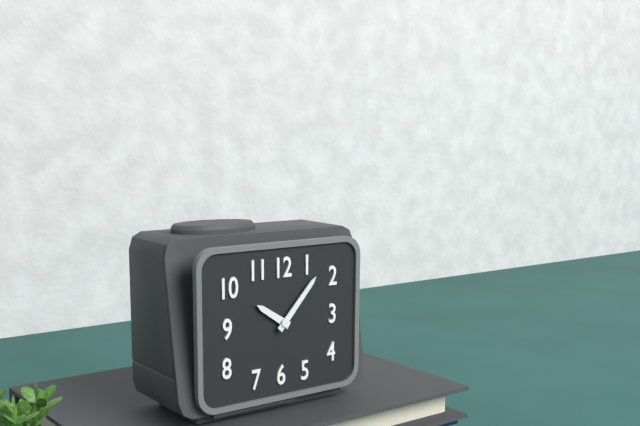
10:07
